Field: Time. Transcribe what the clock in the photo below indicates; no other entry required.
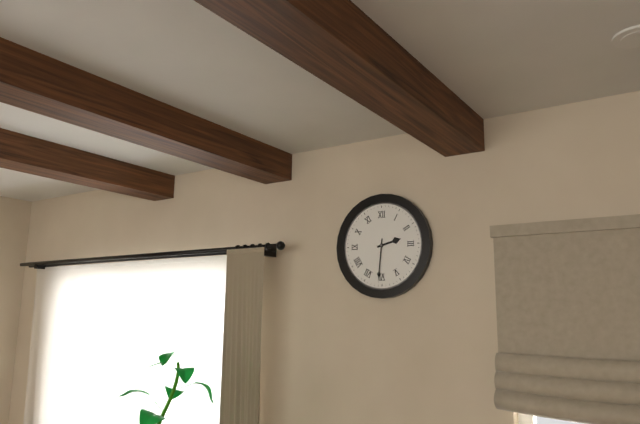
2:31
